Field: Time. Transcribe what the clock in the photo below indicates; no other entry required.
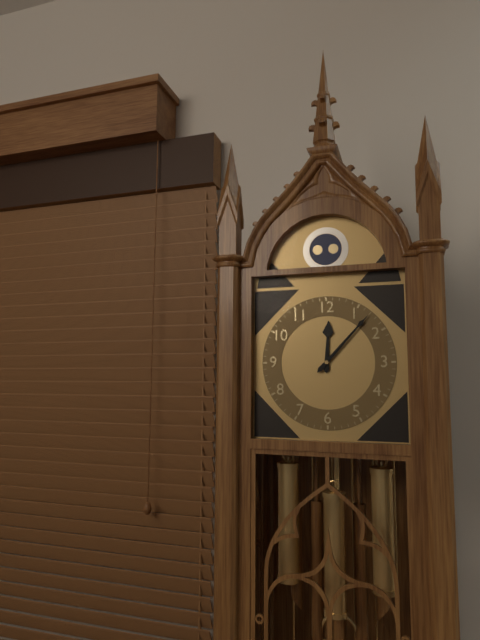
12:07
